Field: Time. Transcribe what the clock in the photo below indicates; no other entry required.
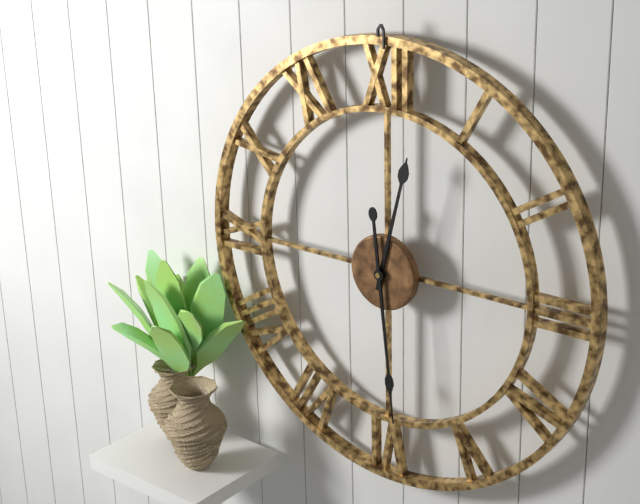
12:29
